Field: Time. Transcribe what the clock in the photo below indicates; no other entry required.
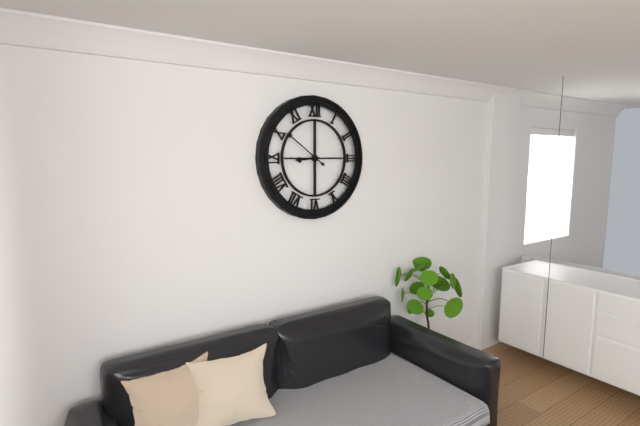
8:51
